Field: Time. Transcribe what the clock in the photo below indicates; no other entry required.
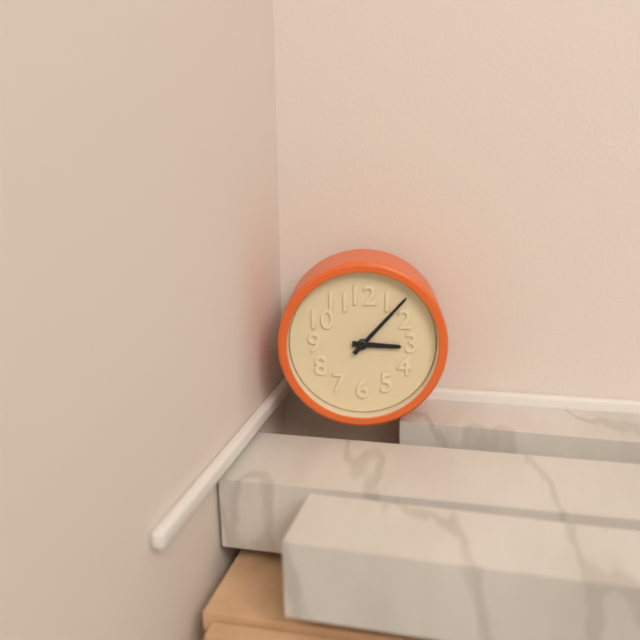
3:07
